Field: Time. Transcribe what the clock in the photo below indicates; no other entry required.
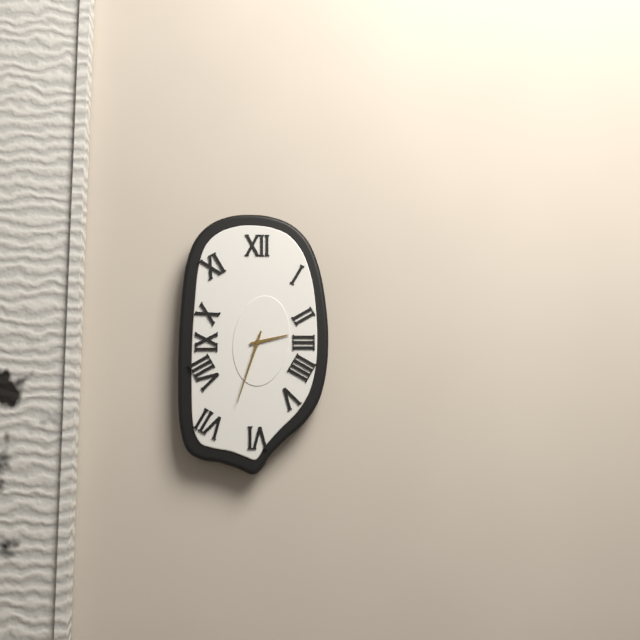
2:33
